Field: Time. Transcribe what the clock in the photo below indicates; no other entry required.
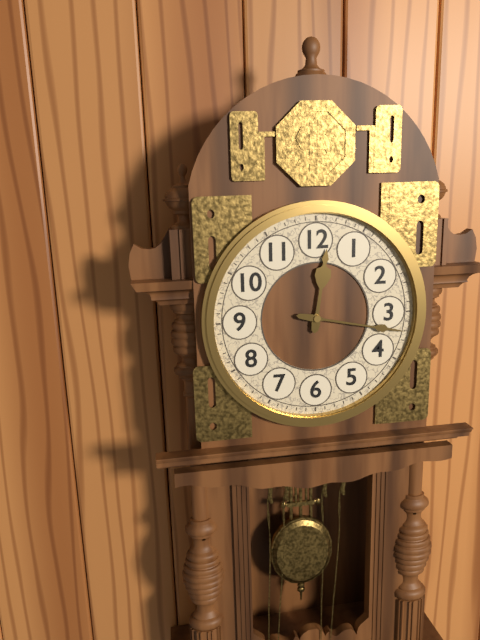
12:17
